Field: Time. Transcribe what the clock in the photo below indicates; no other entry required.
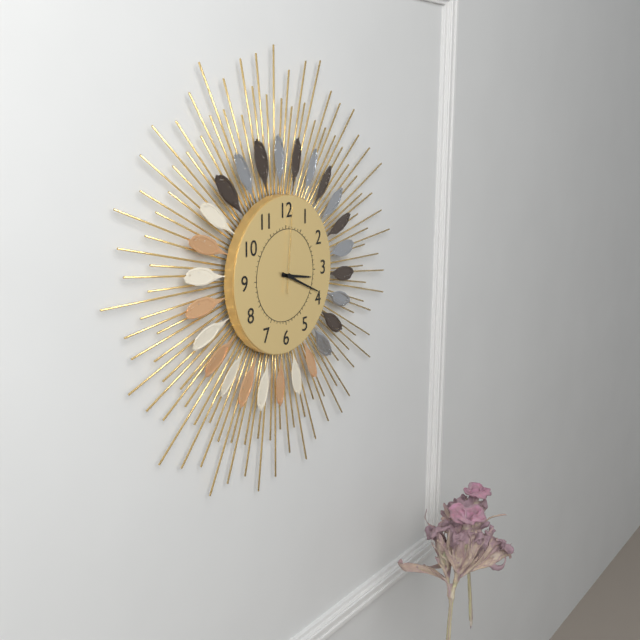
3:19:01
